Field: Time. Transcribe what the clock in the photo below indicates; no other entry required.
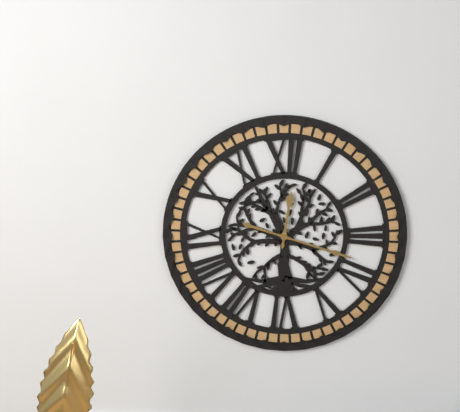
12:18
